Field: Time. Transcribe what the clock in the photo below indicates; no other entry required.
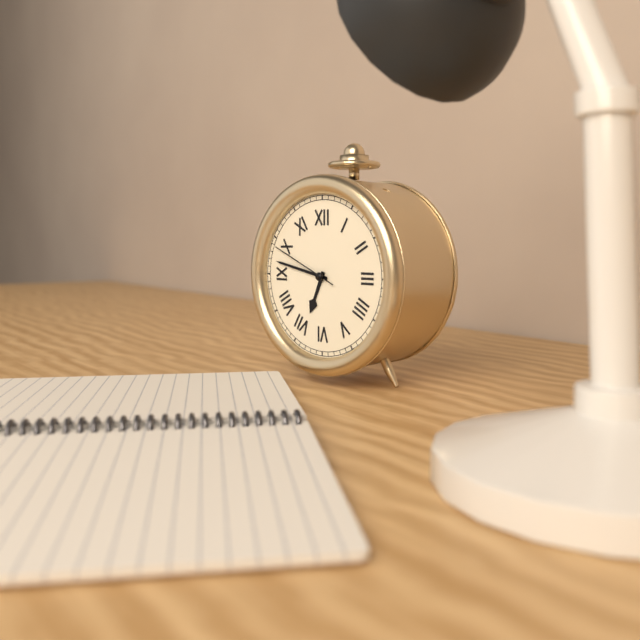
6:47:49
